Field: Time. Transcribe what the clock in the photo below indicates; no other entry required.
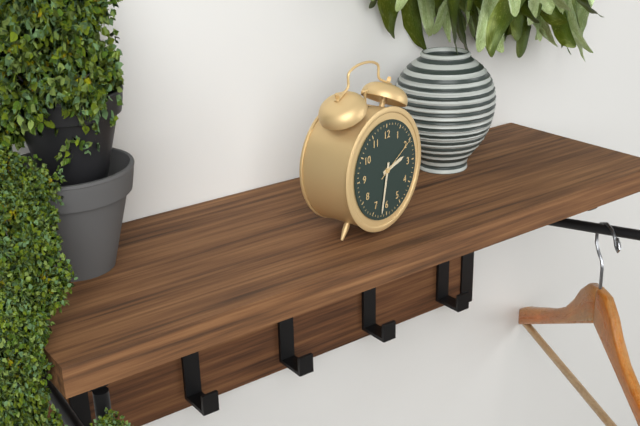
2:32
